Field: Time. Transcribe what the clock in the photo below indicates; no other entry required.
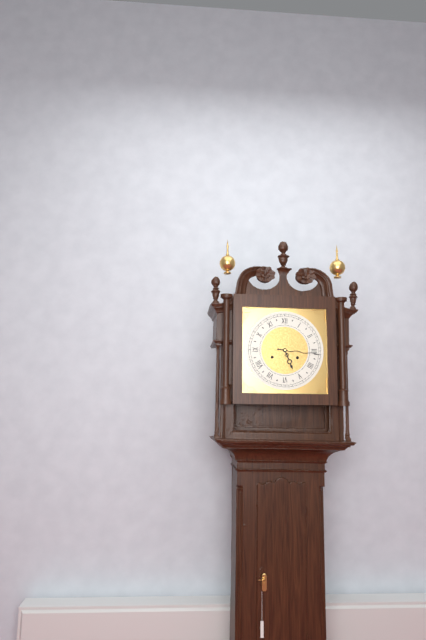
5:16
